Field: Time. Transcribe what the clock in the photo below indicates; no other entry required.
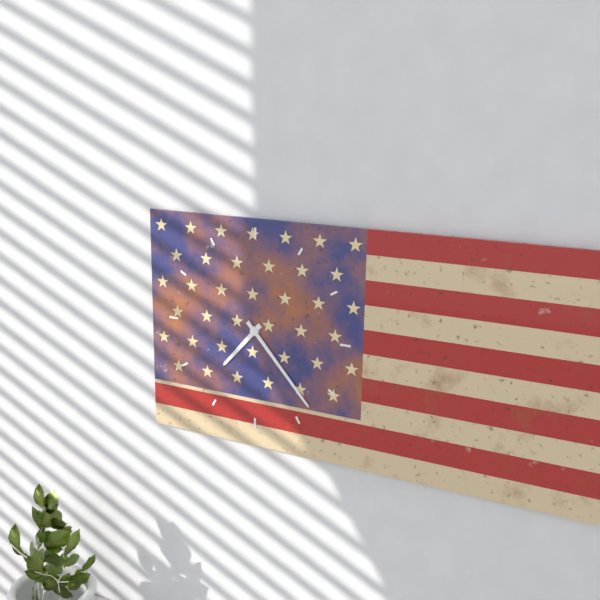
7:23
